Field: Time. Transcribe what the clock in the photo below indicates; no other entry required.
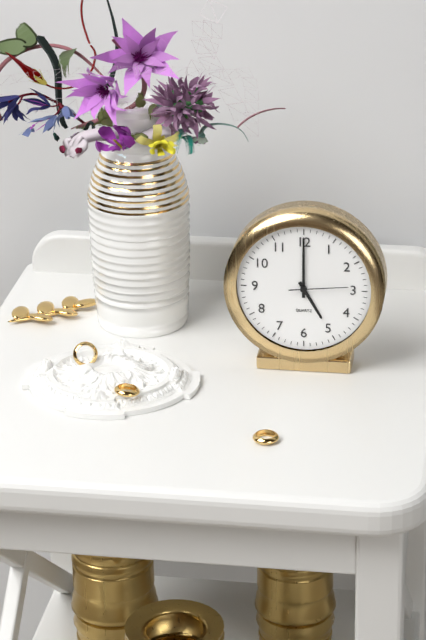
5:00:14
